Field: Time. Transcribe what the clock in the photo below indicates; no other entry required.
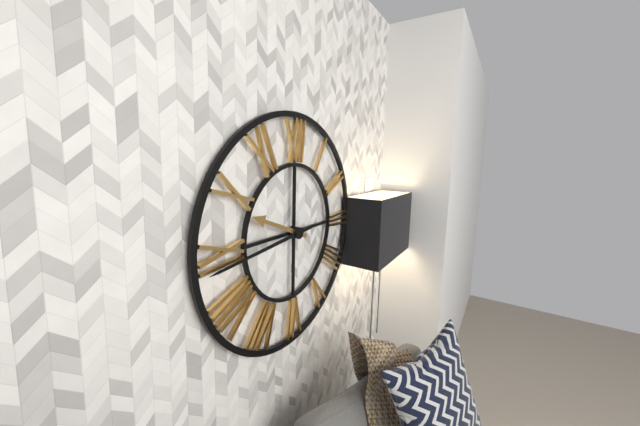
9:44
